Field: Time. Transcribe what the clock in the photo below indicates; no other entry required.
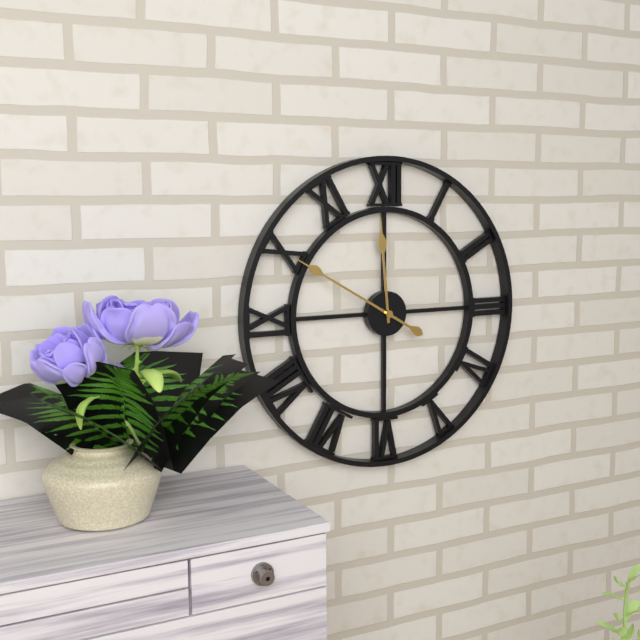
11:50
